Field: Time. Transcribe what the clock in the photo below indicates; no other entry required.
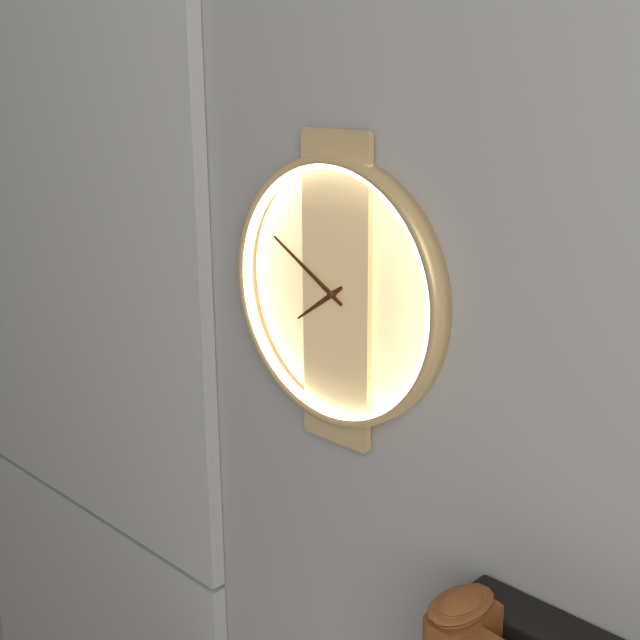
7:50
